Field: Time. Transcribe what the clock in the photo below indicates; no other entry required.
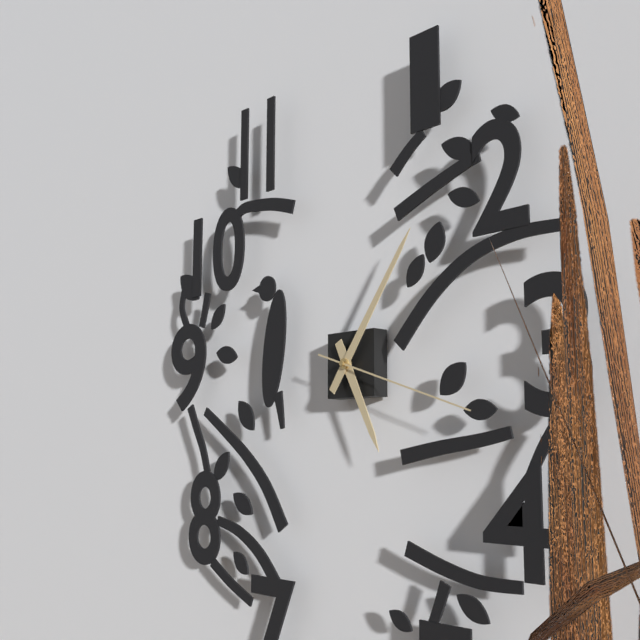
5:06:18
